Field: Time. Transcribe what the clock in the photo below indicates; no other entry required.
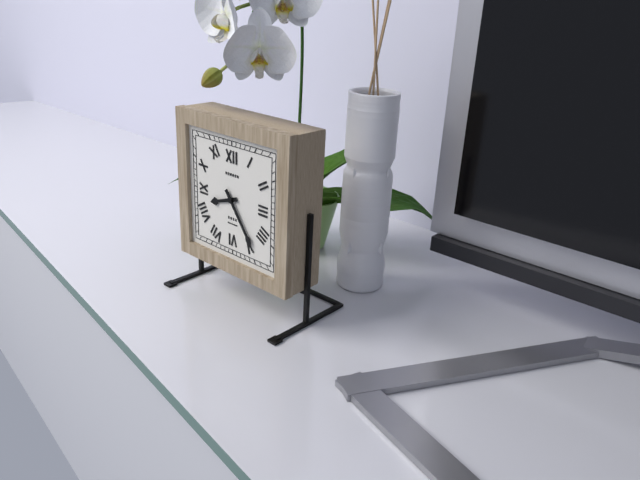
8:24
